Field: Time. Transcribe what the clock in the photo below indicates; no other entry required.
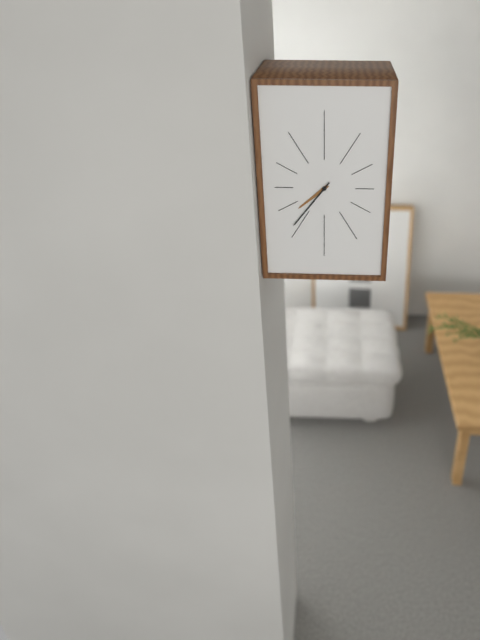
7:36
